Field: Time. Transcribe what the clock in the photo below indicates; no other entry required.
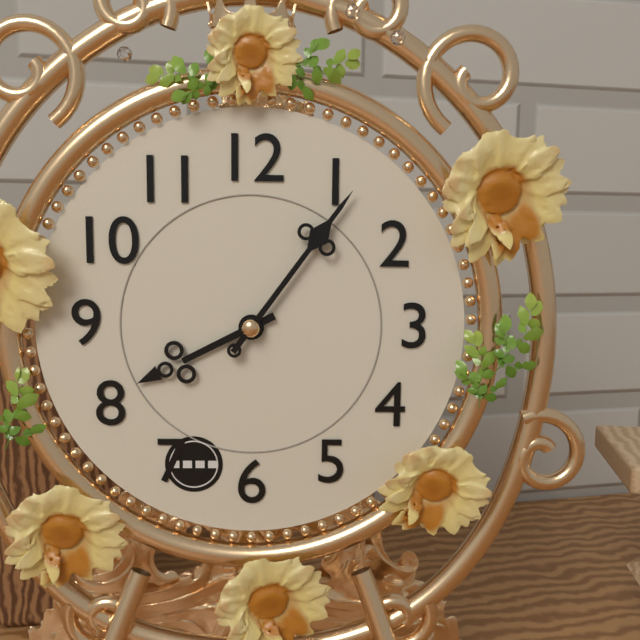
8:06
